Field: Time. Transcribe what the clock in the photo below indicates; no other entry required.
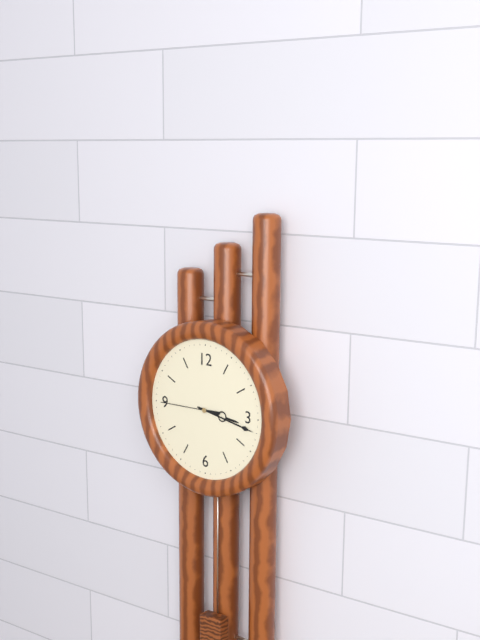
3:17:45
